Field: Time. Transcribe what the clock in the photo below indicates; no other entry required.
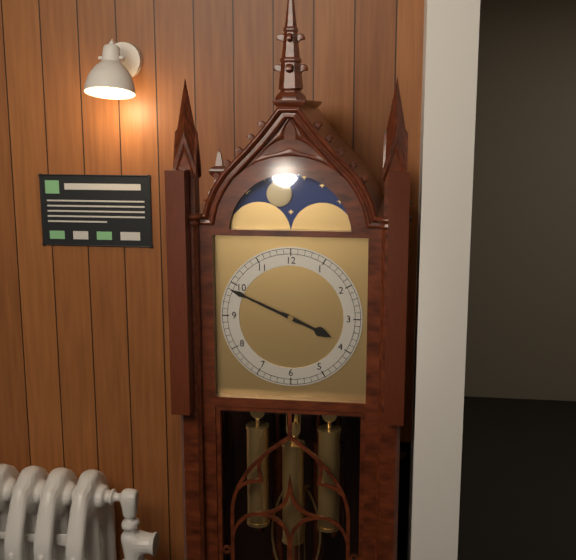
3:49
